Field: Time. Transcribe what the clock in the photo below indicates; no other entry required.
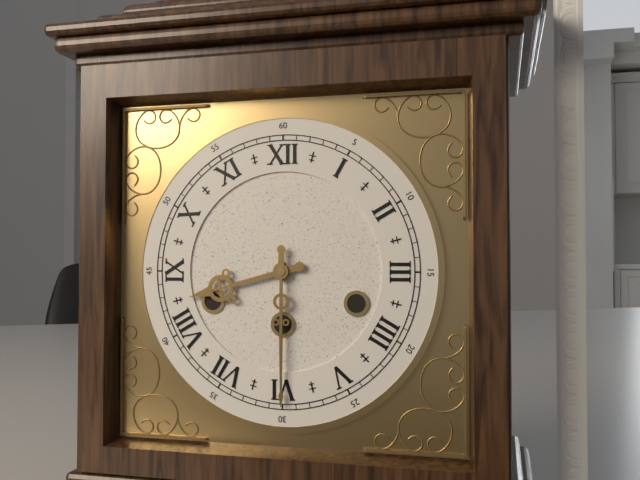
8:30
